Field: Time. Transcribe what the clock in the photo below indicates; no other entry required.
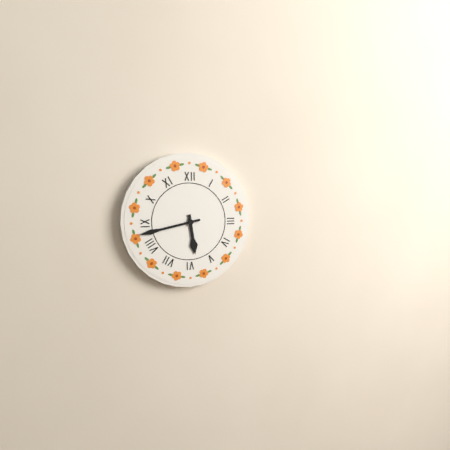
5:43
